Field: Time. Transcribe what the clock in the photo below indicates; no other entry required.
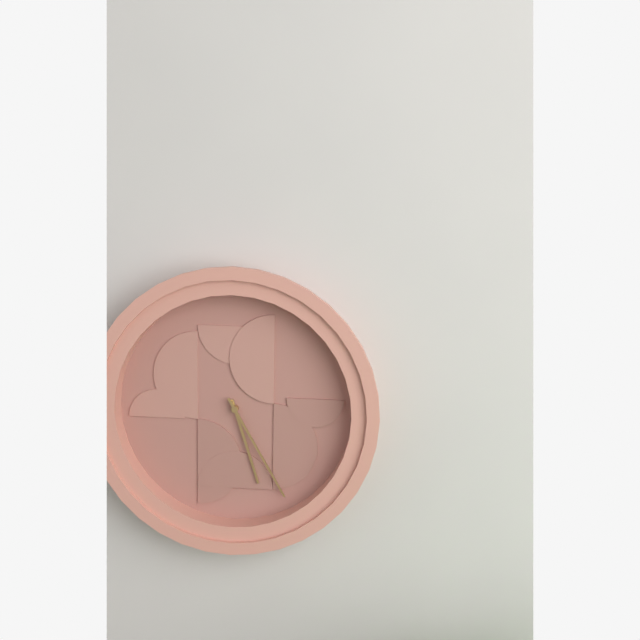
5:25
